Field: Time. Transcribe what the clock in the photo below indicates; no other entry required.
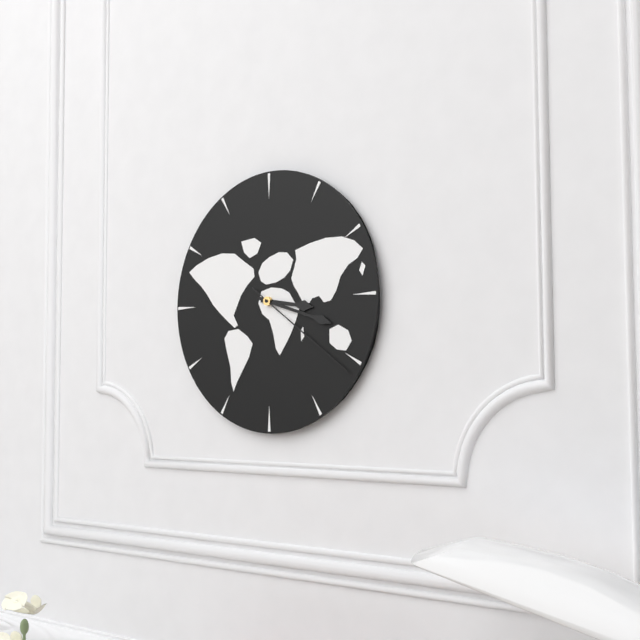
3:18:21
